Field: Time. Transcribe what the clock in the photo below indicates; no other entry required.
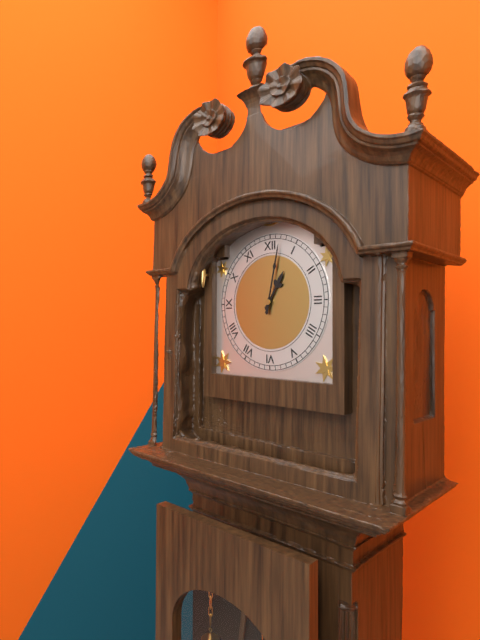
1:02
